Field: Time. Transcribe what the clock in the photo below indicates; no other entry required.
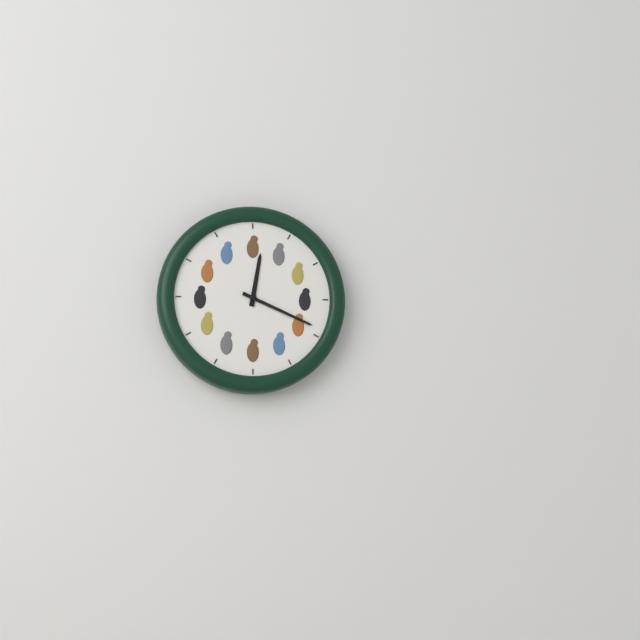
12:19
